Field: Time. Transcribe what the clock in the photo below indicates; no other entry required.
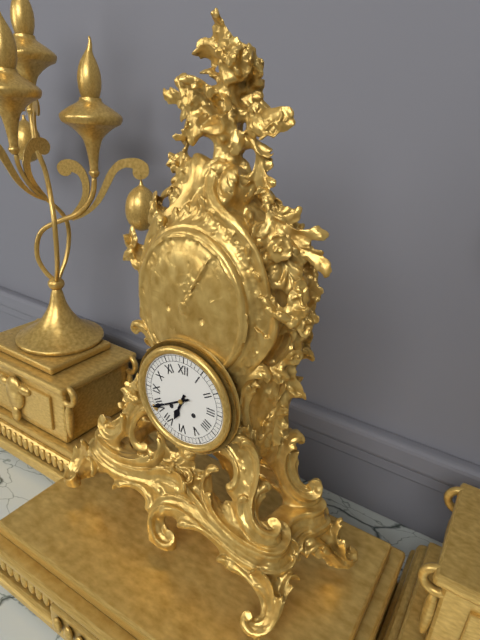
6:40
